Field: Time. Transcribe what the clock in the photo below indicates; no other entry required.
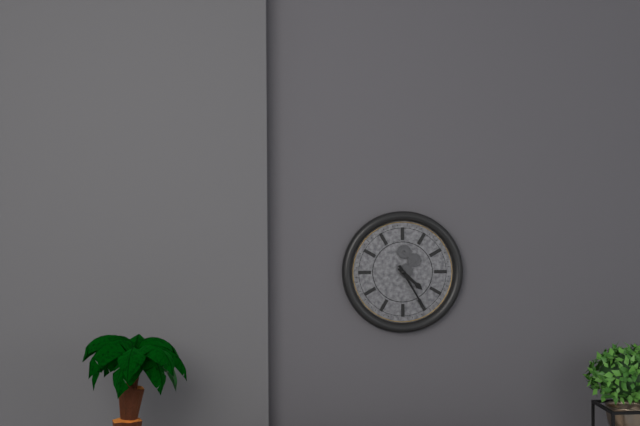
4:25
